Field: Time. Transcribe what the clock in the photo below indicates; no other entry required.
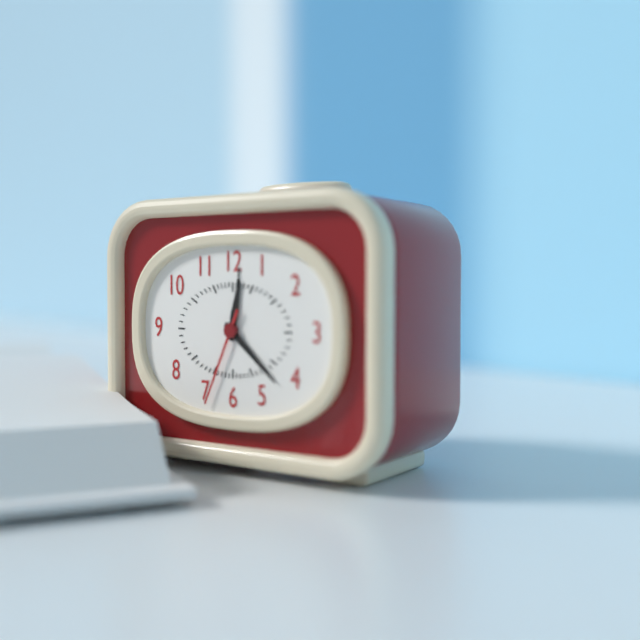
12:22:34
